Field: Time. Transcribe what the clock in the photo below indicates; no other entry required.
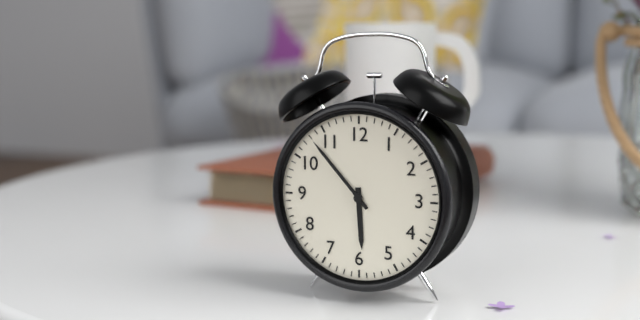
5:53
